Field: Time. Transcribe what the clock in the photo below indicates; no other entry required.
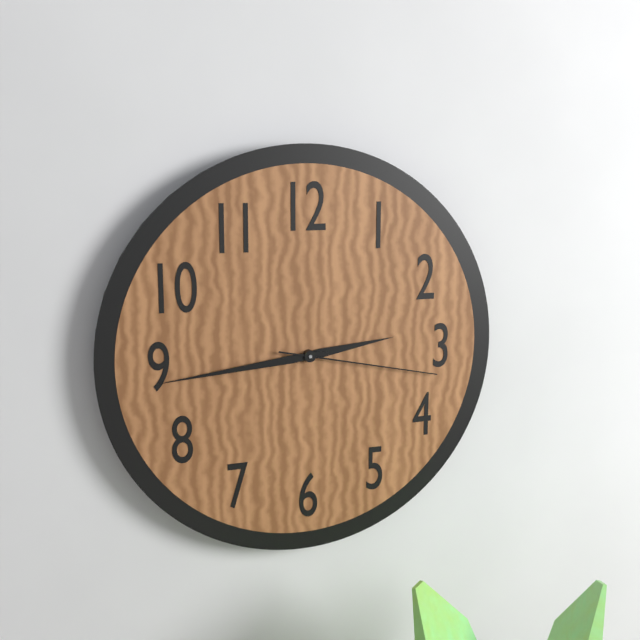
2:44:17
